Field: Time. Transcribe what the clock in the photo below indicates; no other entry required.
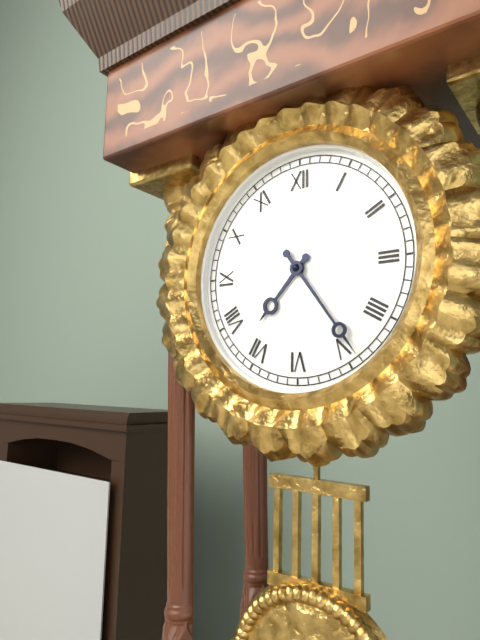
7:24
